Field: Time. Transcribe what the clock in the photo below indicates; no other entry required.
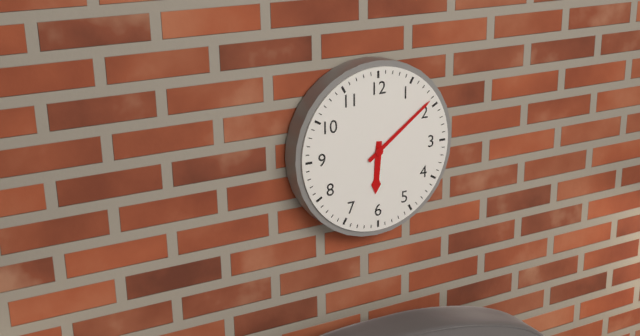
6:09
